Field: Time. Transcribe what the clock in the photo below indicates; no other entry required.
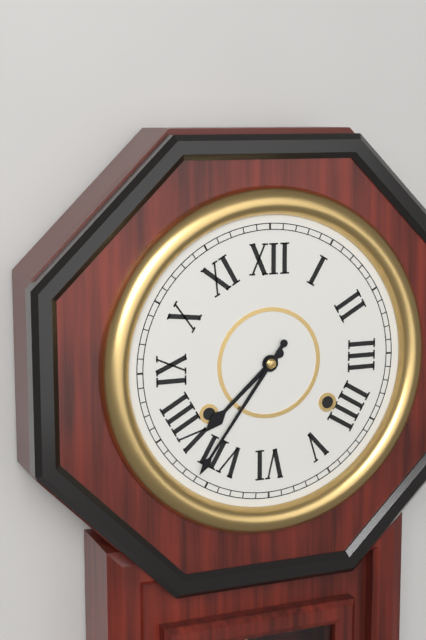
7:36
